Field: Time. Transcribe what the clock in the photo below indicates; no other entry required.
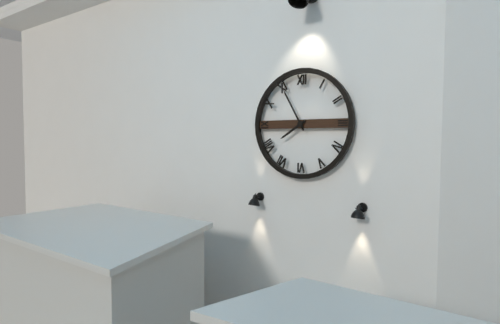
7:55
